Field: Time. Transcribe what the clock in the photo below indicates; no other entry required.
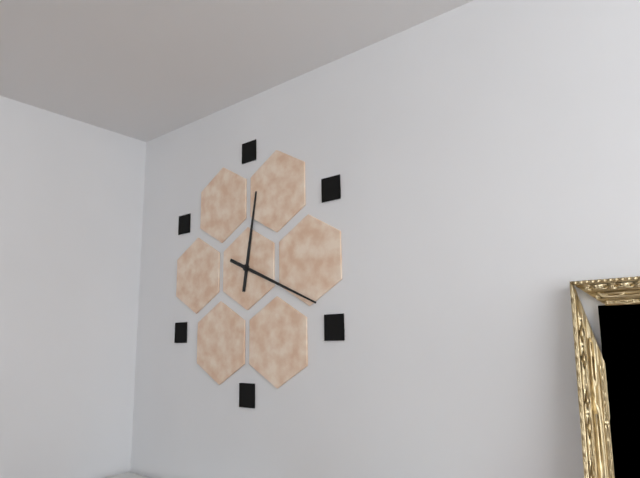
12:19
